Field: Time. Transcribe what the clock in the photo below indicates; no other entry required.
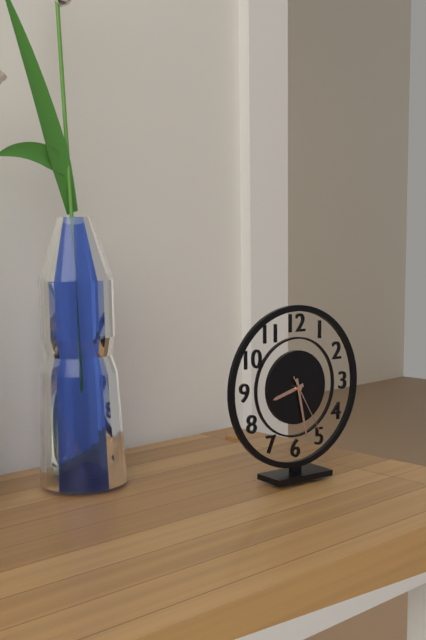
8:28:25
